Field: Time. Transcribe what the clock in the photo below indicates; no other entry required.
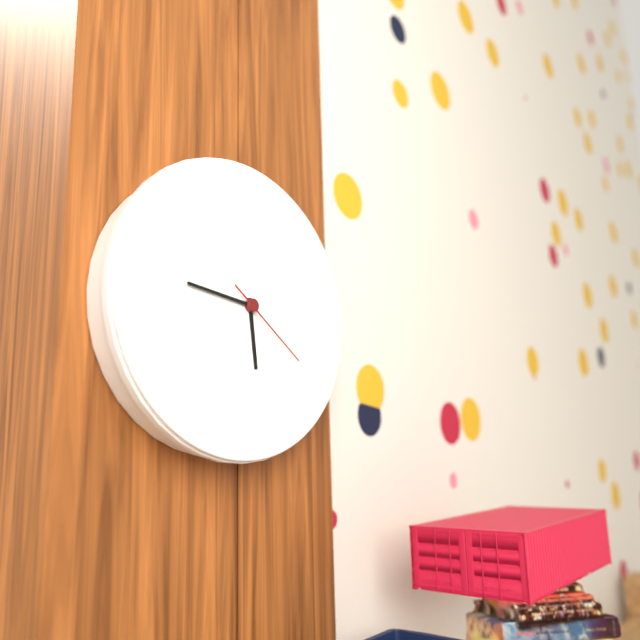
5:46:21
